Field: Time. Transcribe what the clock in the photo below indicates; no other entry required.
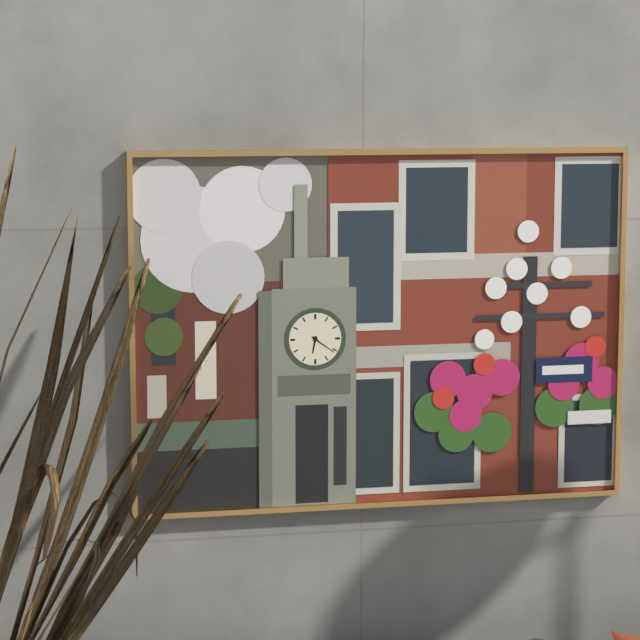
6:21
